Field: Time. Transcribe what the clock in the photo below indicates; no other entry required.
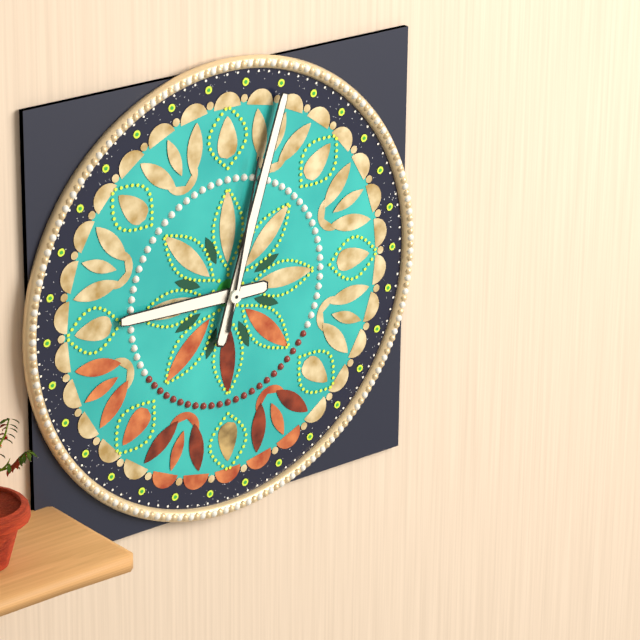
9:03:02
